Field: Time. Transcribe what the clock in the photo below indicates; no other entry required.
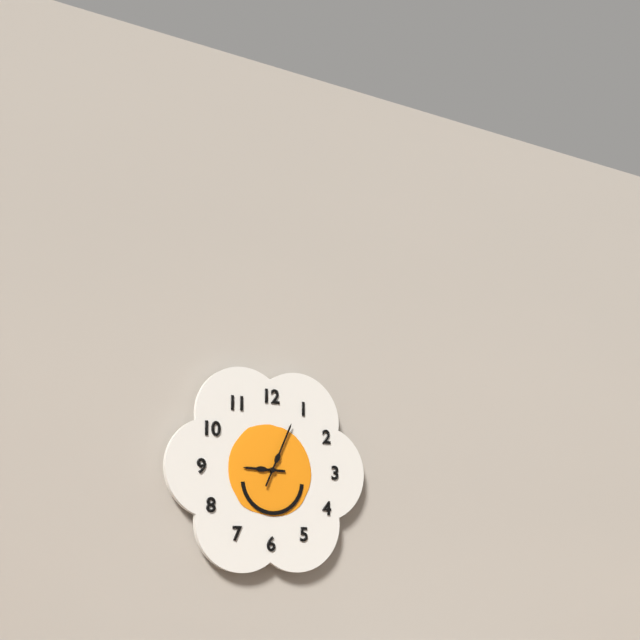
9:04
